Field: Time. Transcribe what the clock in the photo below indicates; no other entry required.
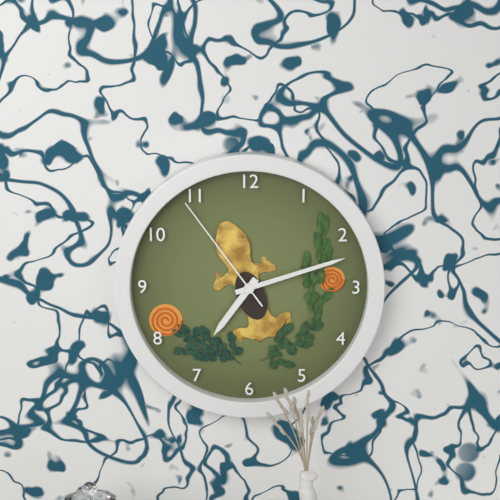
7:12:54
